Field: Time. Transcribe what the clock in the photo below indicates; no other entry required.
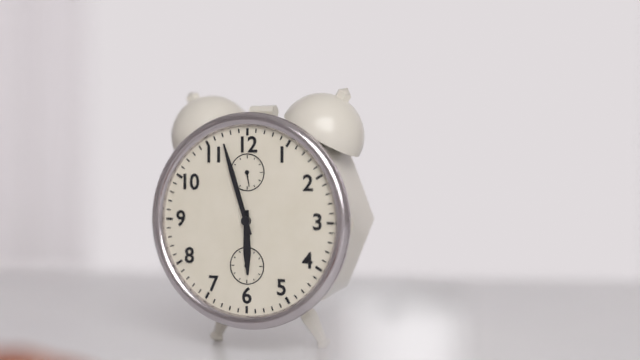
5:57
